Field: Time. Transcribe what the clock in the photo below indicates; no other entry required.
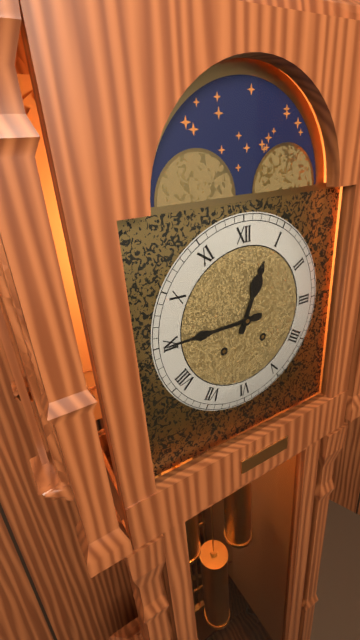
12:45
